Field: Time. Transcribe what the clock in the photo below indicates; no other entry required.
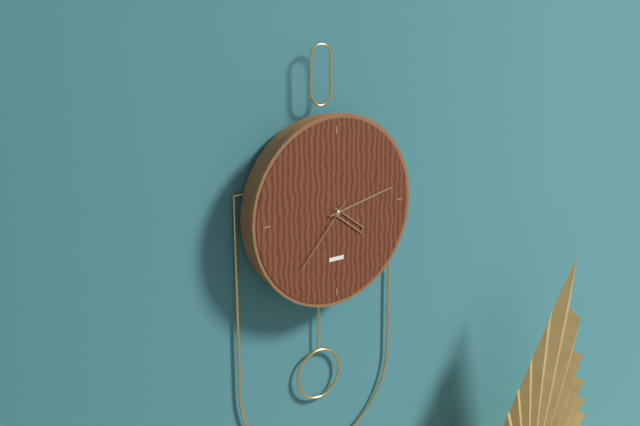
4:13:37
